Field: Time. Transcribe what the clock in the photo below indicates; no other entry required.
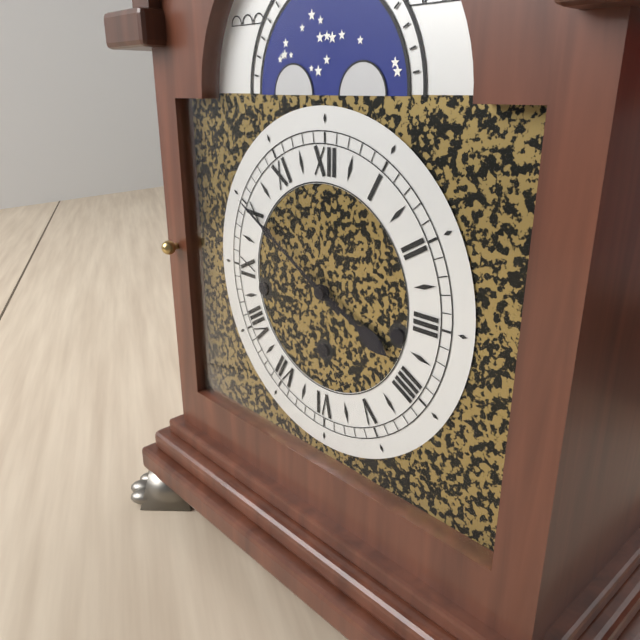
3:50
